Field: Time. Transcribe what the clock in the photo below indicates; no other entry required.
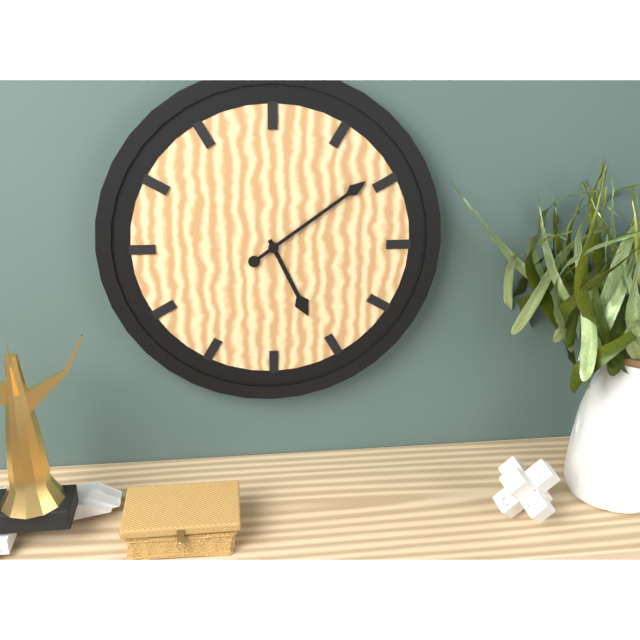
5:09
